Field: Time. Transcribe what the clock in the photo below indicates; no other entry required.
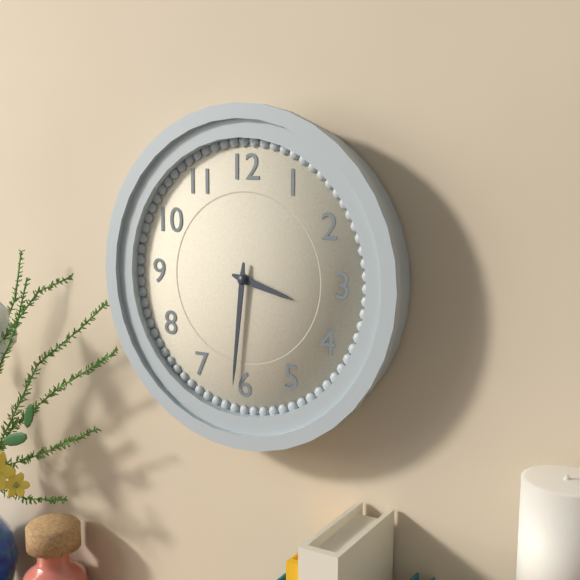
3:31
